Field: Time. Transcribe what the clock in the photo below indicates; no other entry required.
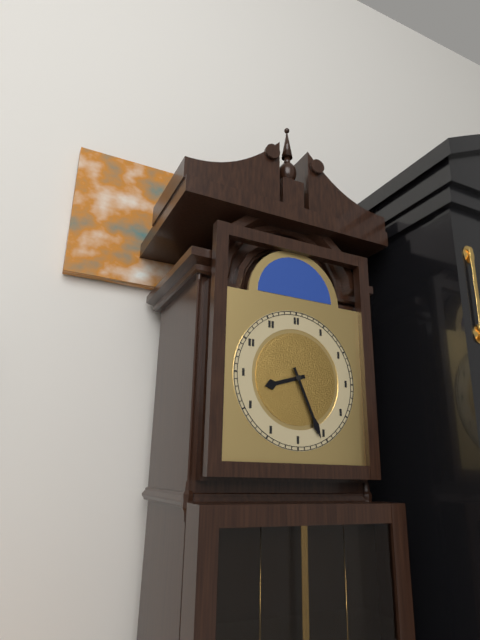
8:26
